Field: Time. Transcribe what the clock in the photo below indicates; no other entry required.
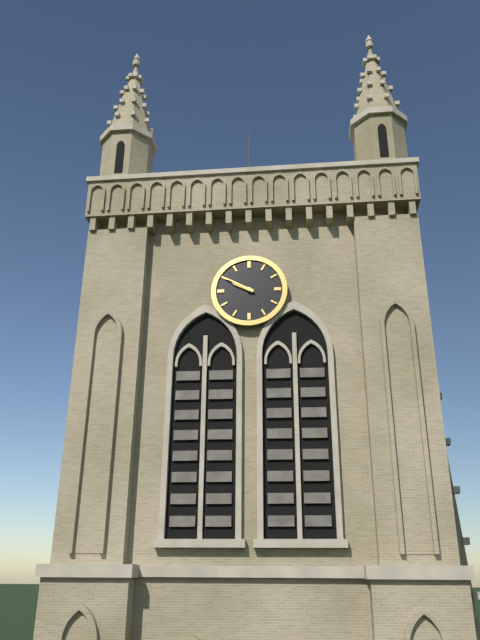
9:50
